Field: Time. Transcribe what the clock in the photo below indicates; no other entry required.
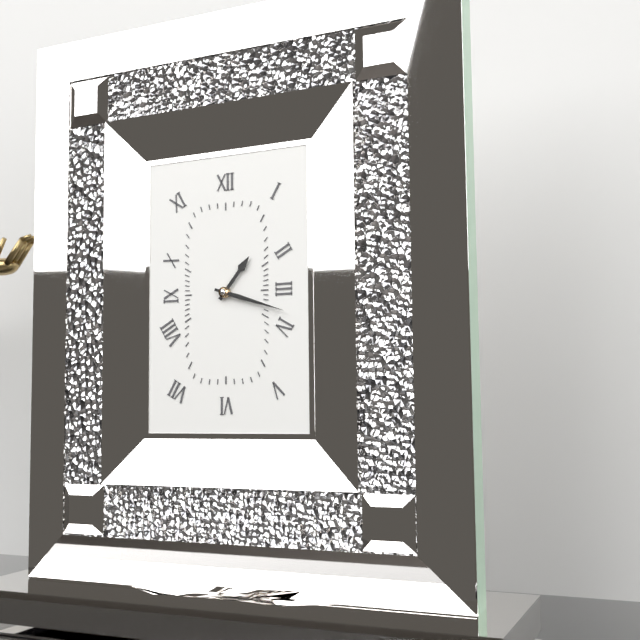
1:18
